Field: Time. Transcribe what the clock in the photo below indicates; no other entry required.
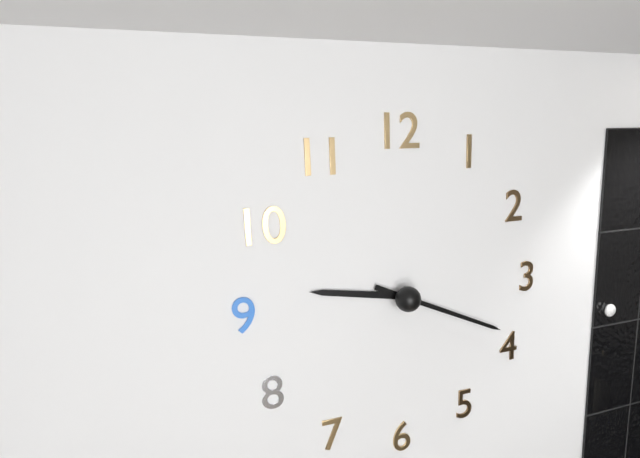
9:19
